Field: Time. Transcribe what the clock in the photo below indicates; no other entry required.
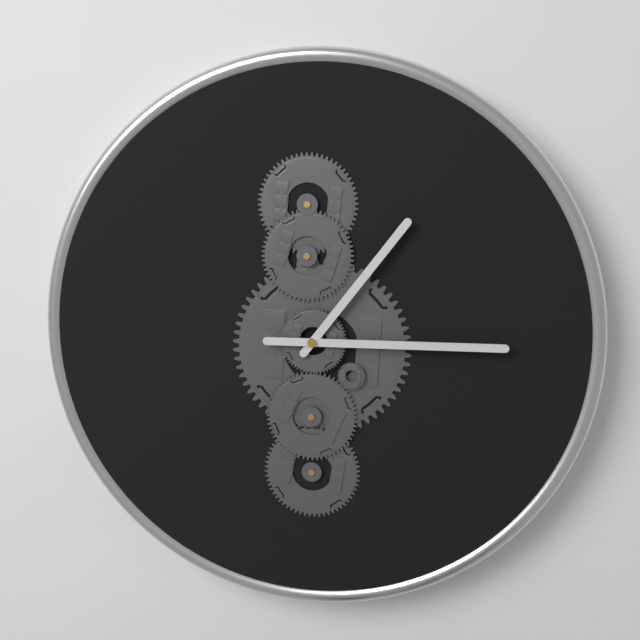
1:15
